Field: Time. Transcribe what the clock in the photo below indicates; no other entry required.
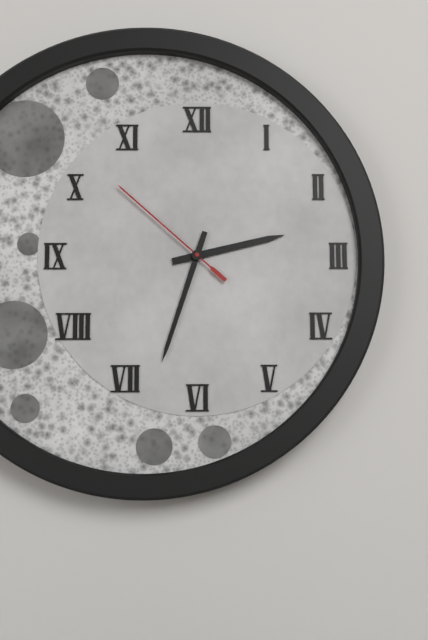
2:33:52
